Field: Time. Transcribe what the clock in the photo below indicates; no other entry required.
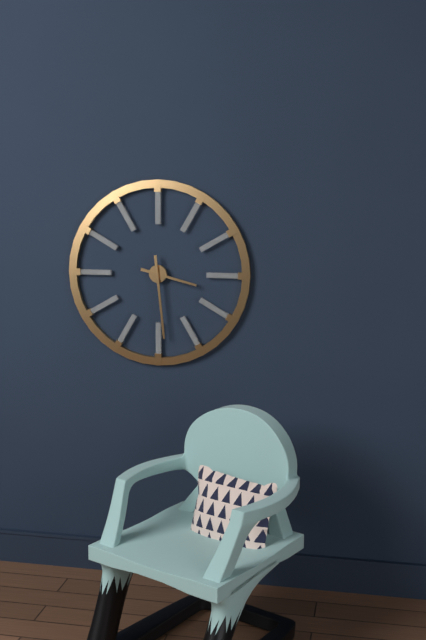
3:29
